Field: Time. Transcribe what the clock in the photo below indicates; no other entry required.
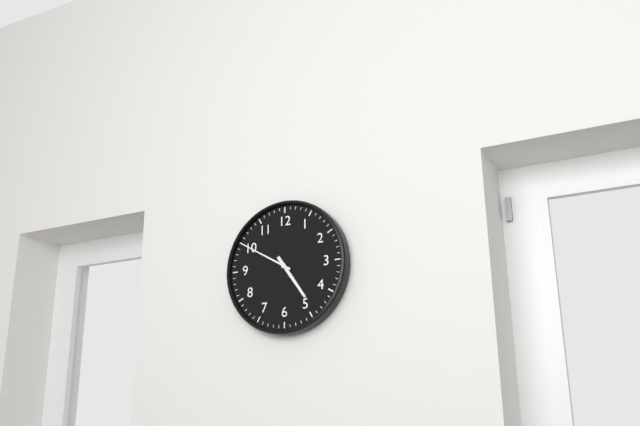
4:50
